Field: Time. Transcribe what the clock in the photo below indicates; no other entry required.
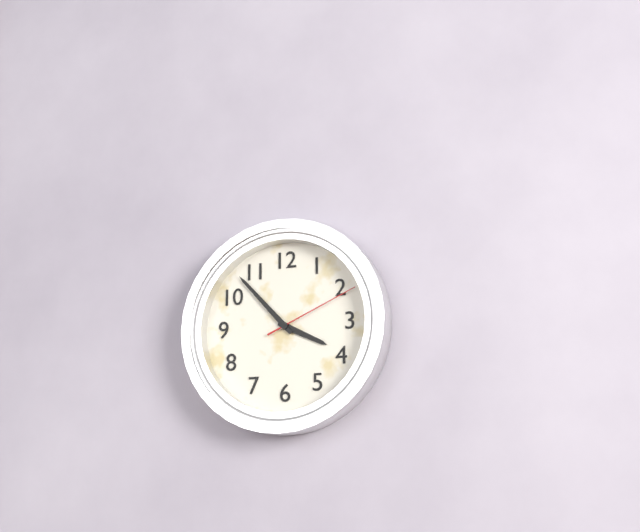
3:53:11
